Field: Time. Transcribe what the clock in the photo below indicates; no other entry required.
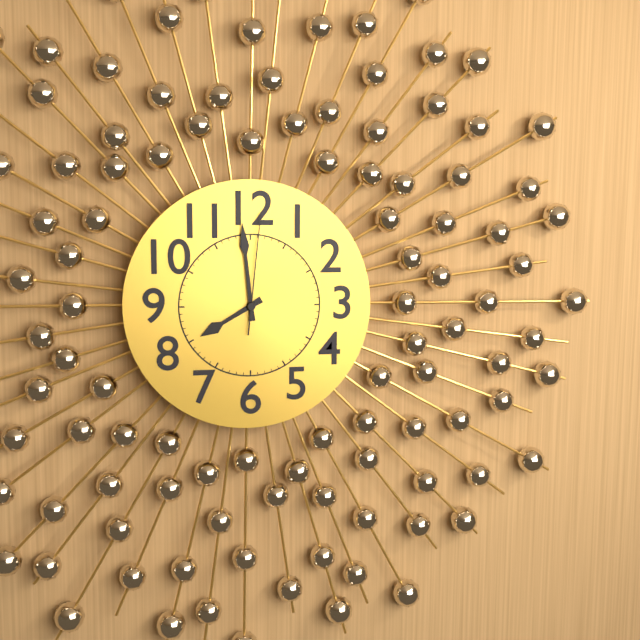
7:59:01
